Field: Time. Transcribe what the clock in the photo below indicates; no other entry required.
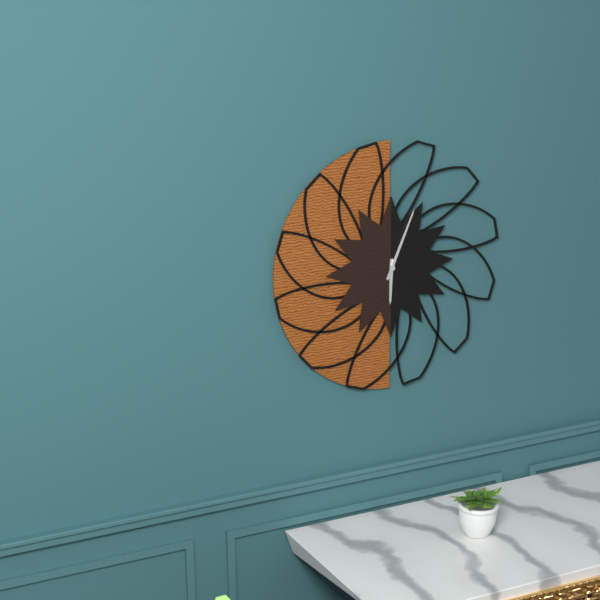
6:04
